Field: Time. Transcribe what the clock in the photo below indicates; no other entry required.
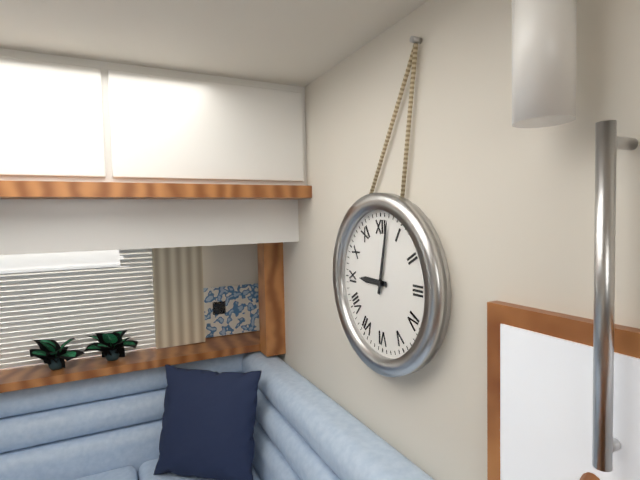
9:02
